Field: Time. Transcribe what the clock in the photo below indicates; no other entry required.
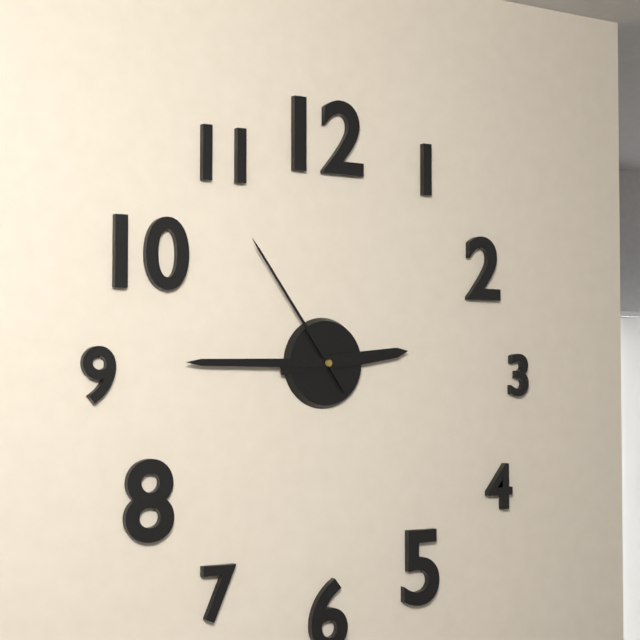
2:45:54
